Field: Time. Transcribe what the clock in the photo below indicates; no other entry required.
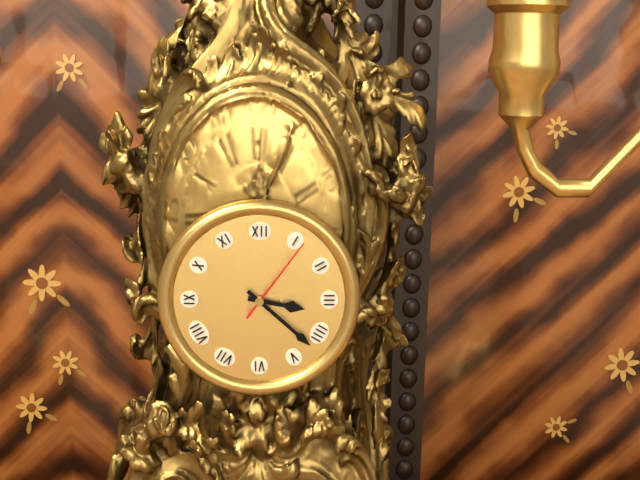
3:22:06
